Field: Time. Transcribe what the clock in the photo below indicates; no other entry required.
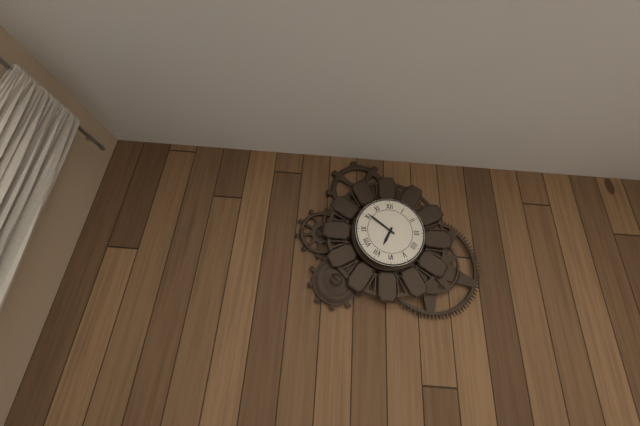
6:51
